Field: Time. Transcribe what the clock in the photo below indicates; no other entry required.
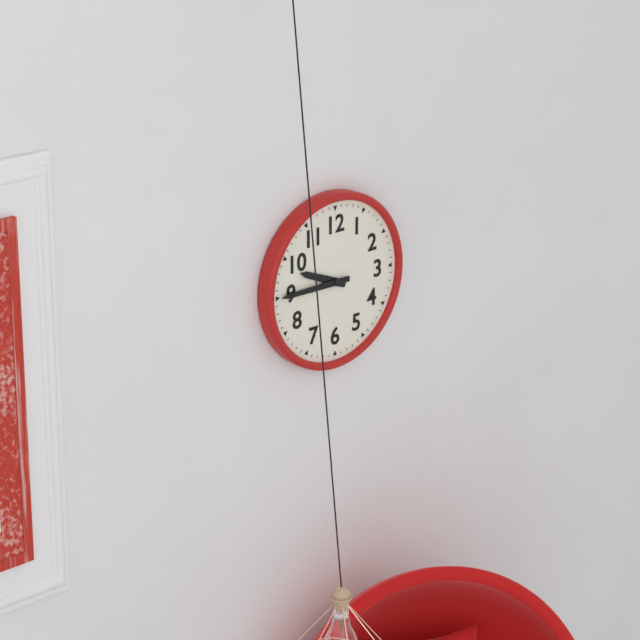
9:45
